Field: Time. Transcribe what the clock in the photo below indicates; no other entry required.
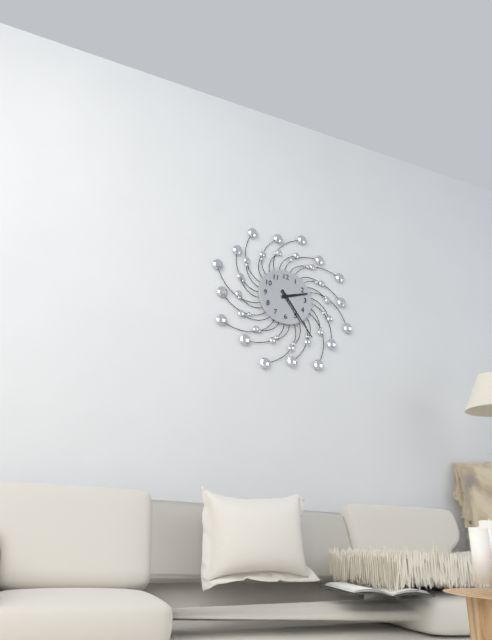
2:24
